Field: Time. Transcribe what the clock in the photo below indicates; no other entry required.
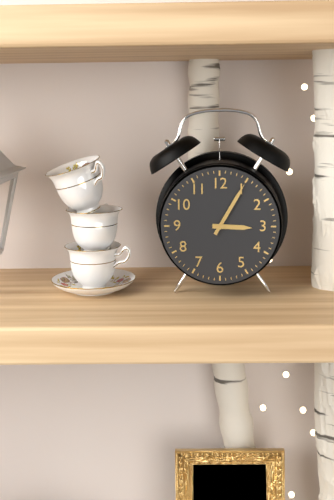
3:05
